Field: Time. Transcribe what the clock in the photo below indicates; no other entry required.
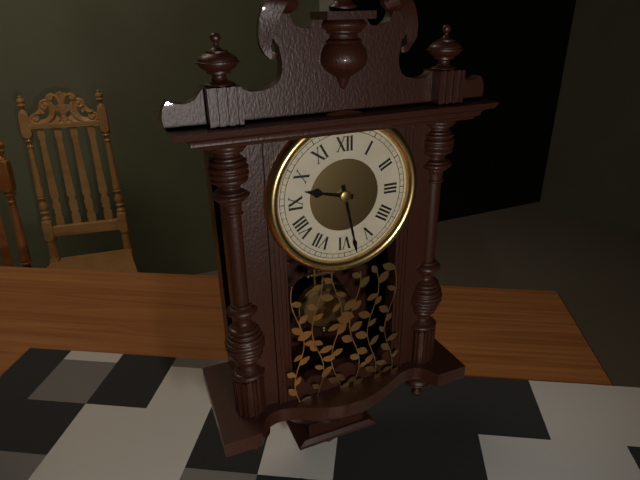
9:28
